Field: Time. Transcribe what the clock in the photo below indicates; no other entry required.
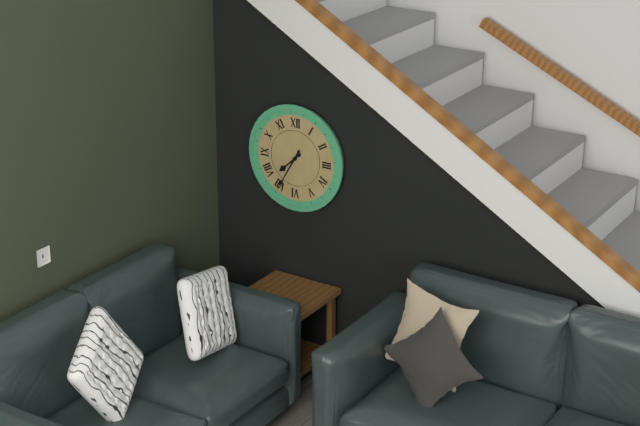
7:35
